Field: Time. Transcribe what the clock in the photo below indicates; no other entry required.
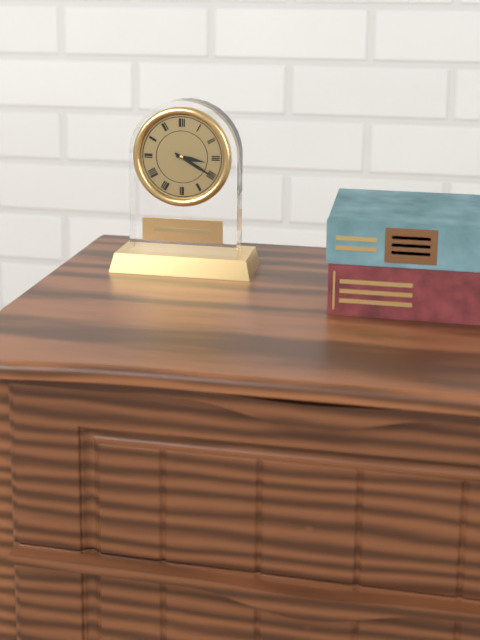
3:20
